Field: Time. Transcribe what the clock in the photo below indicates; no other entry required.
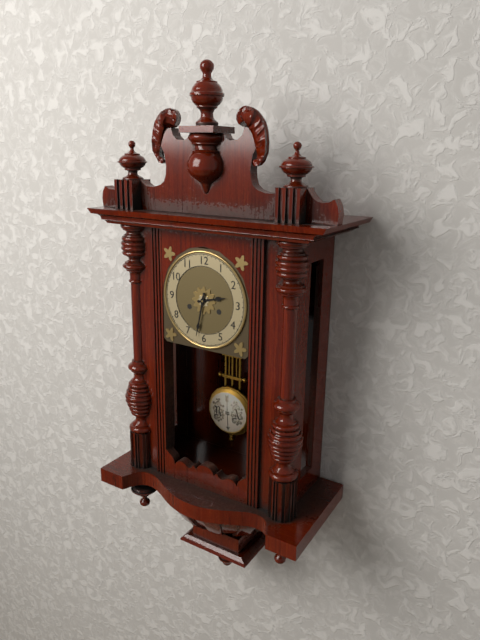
2:32
